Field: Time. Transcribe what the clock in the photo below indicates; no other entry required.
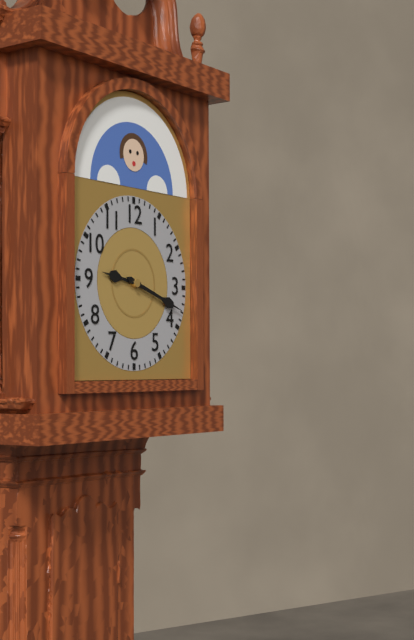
9:18
